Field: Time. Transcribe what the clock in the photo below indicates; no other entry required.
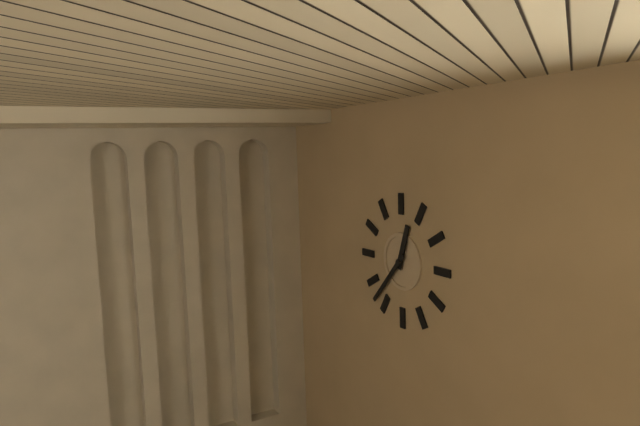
12:37
